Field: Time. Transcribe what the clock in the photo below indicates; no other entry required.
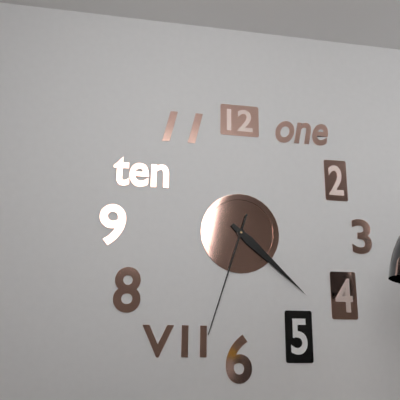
4:22:33
